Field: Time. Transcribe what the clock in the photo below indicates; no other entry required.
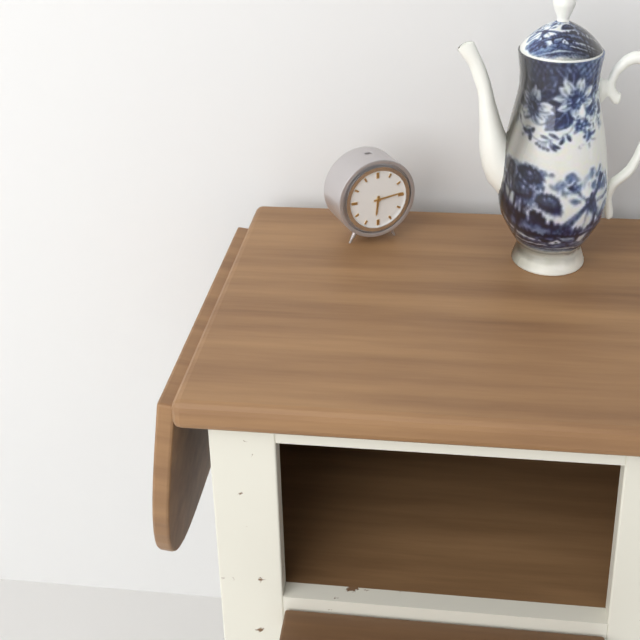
6:14
